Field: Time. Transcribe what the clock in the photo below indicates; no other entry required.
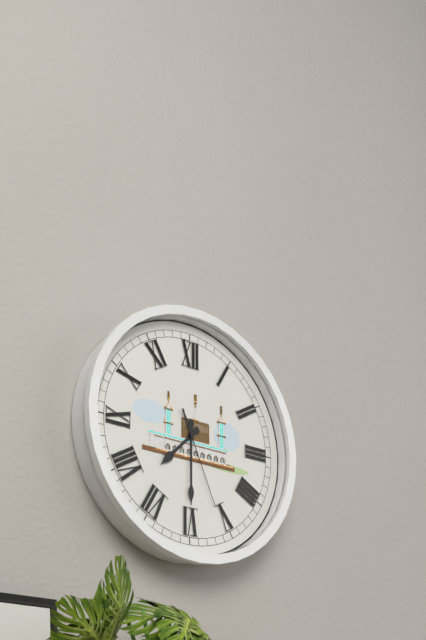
7:30:26
